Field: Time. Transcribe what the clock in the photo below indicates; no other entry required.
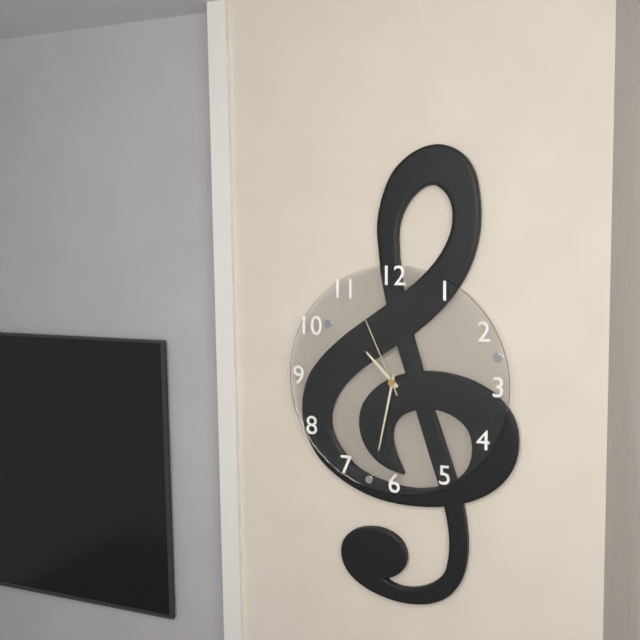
10:32:56
